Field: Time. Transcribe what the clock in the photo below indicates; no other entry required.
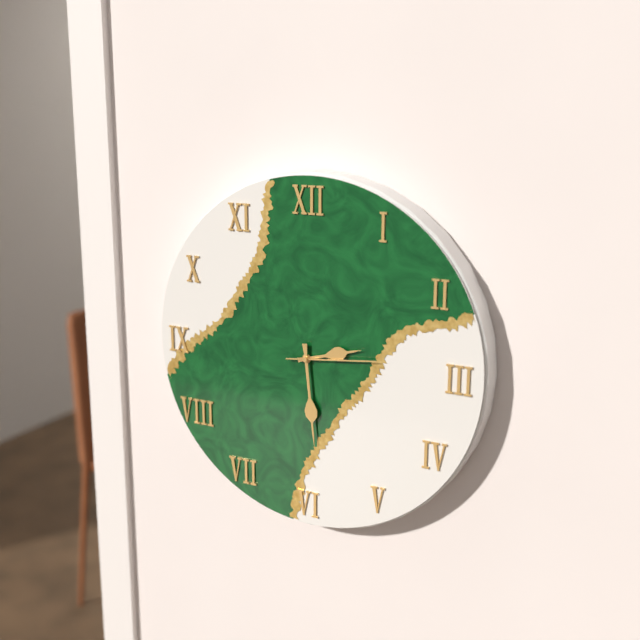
2:29:14
